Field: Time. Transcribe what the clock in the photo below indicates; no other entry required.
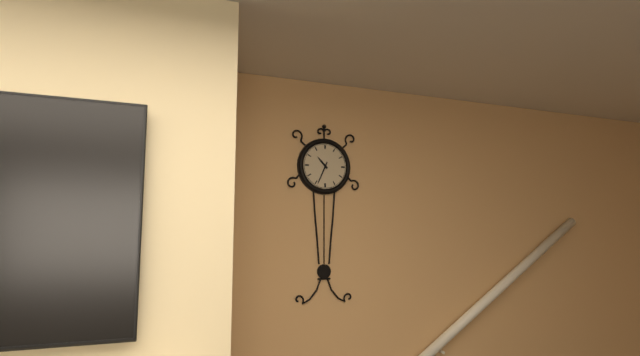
10:34
